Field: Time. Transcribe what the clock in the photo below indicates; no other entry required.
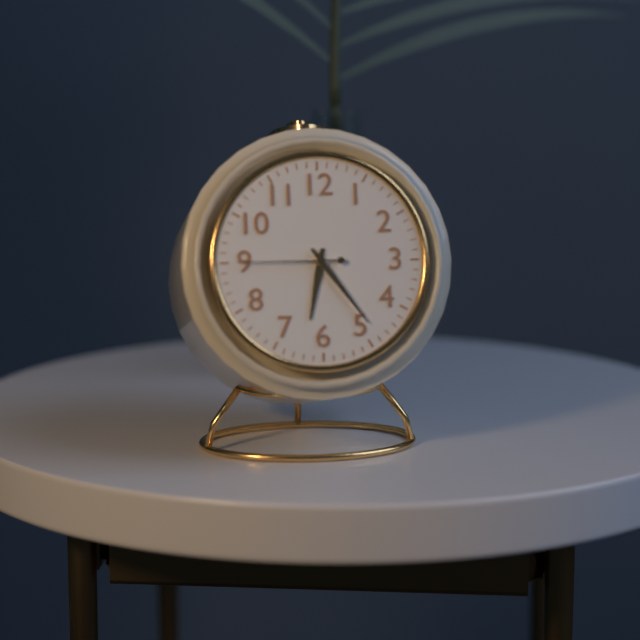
6:24:45
